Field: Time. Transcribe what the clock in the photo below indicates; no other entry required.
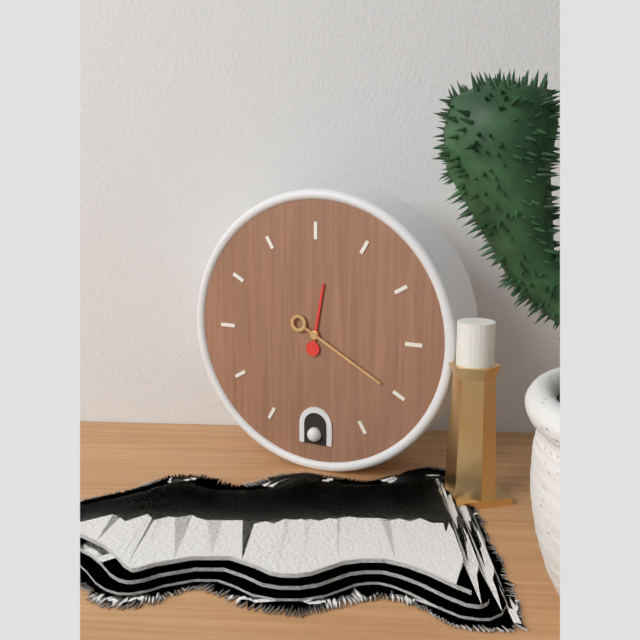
12:20
